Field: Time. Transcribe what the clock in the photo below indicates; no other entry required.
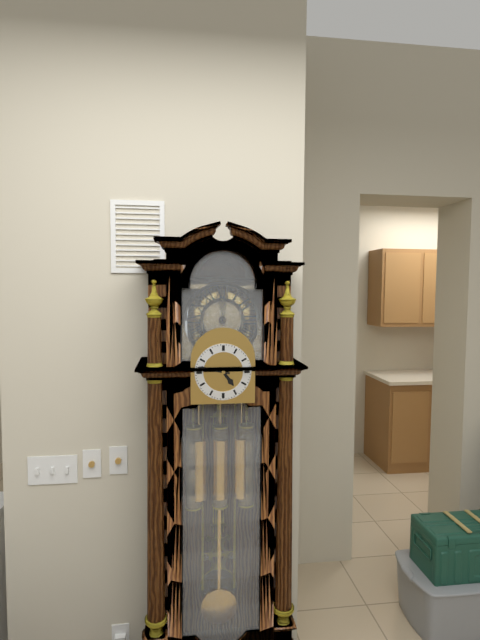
4:47
